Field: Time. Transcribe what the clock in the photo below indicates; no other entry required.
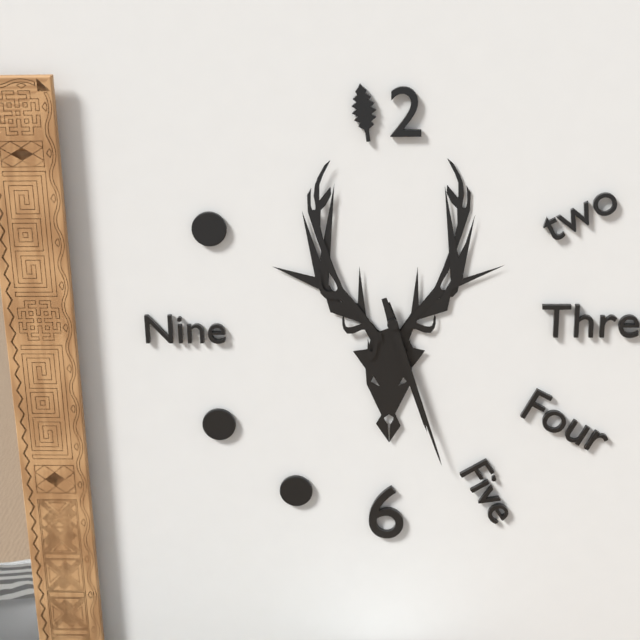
5:27
